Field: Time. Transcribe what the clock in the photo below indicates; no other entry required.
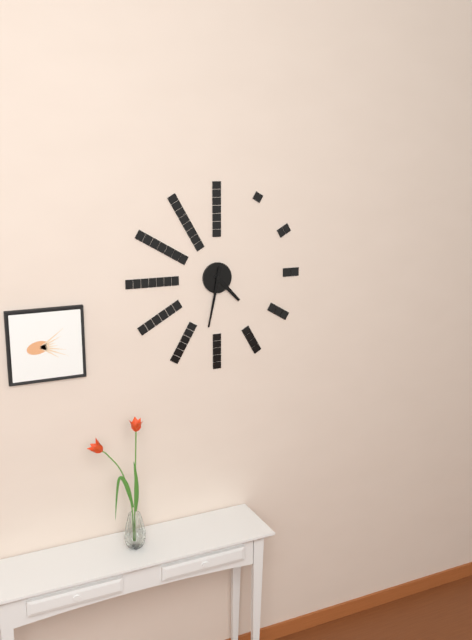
4:32
